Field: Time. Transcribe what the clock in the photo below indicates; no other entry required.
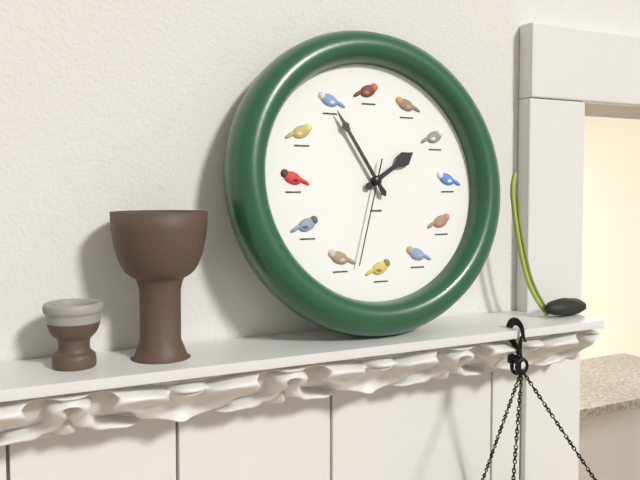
1:55:33
